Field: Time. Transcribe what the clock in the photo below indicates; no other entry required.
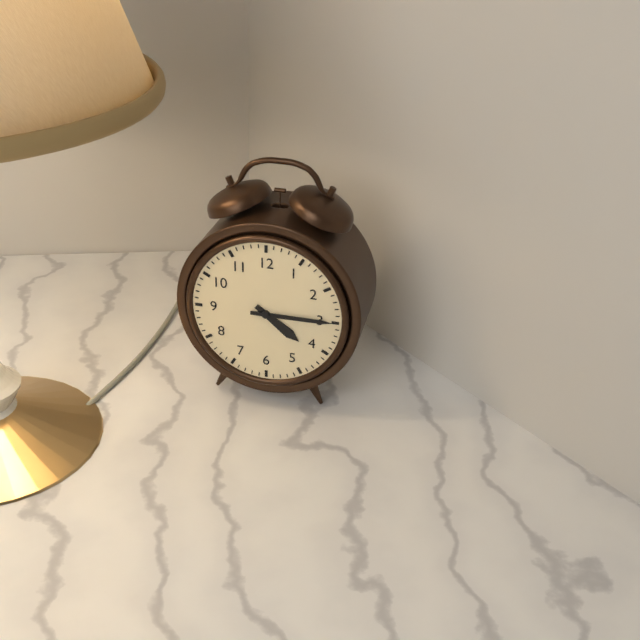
4:15
